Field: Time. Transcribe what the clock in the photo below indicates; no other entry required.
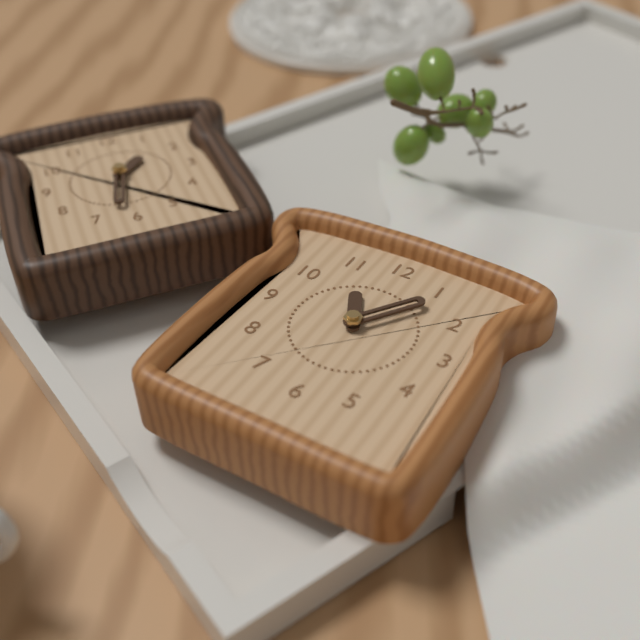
11:06
